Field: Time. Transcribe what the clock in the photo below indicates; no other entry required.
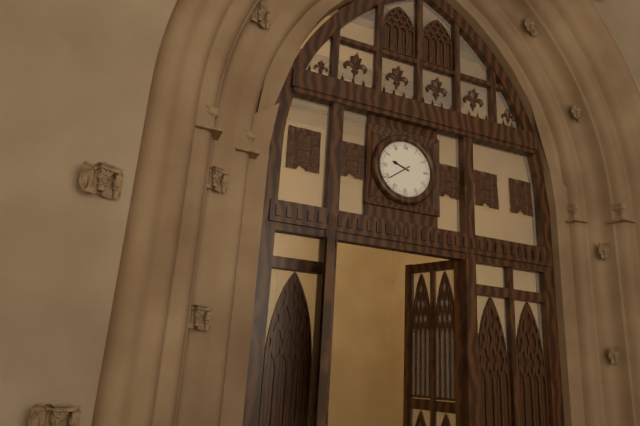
9:39
